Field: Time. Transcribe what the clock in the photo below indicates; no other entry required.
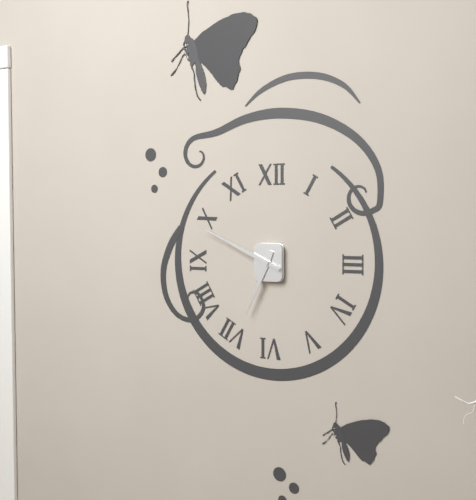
6:49
